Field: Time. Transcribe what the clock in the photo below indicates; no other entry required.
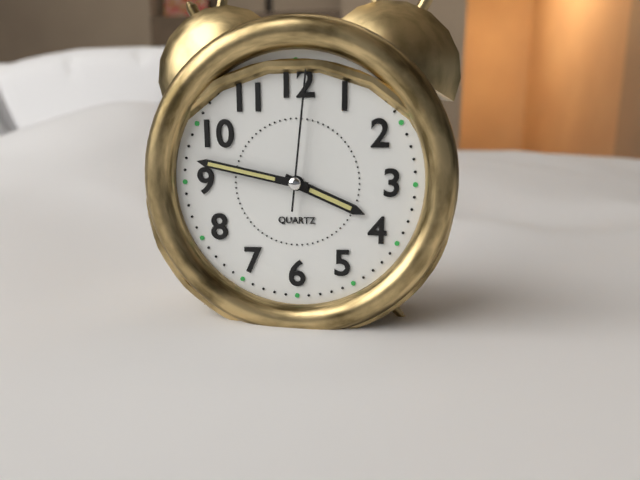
3:47:01
